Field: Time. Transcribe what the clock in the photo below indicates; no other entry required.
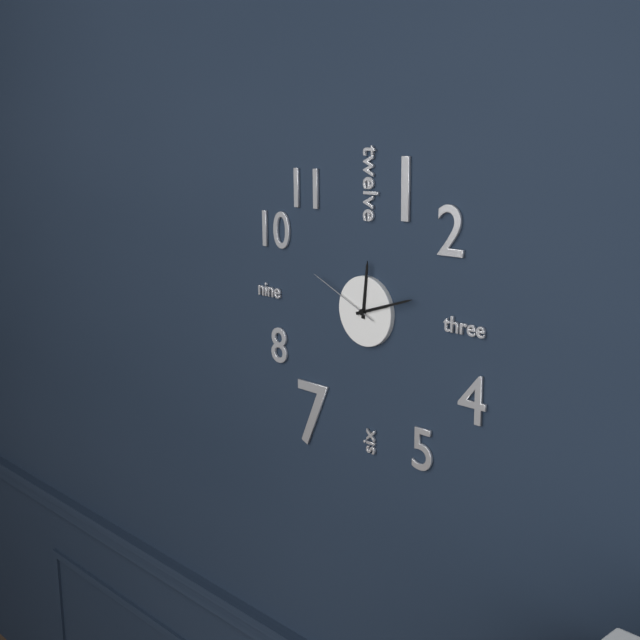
12:12:49
